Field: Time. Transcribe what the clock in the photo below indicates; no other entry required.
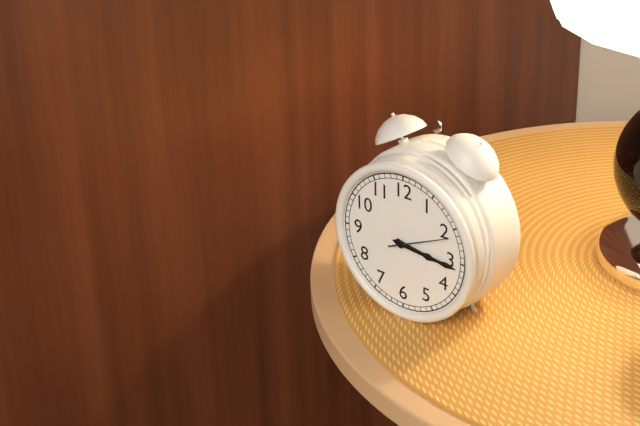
3:16:11
